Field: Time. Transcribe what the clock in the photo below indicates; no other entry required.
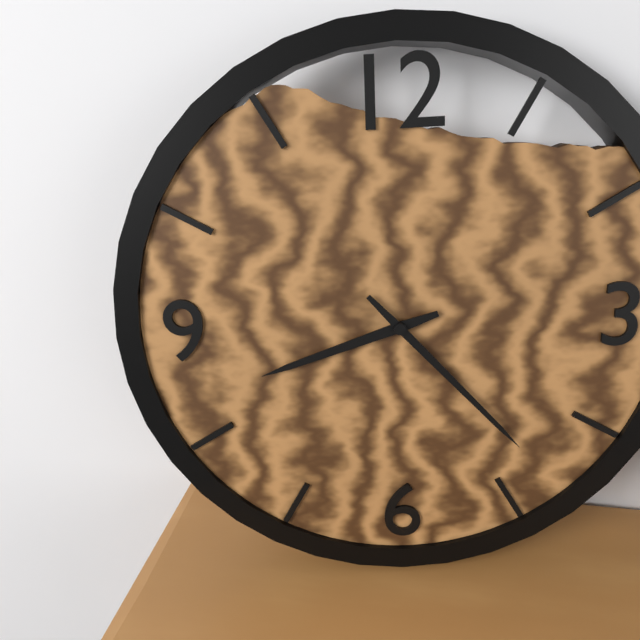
8:23
